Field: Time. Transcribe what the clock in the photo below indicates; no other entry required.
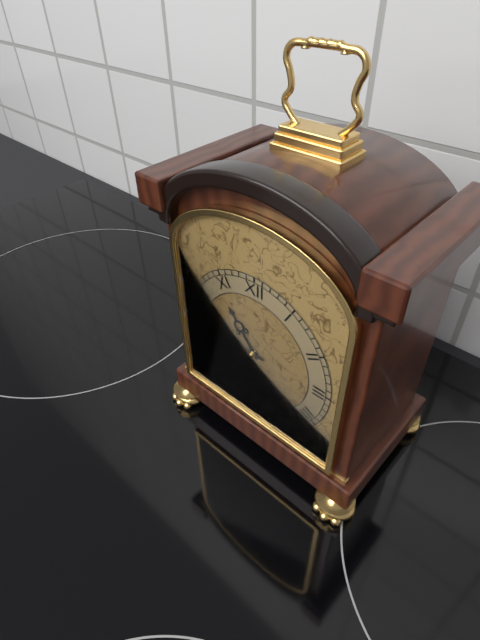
10:45
